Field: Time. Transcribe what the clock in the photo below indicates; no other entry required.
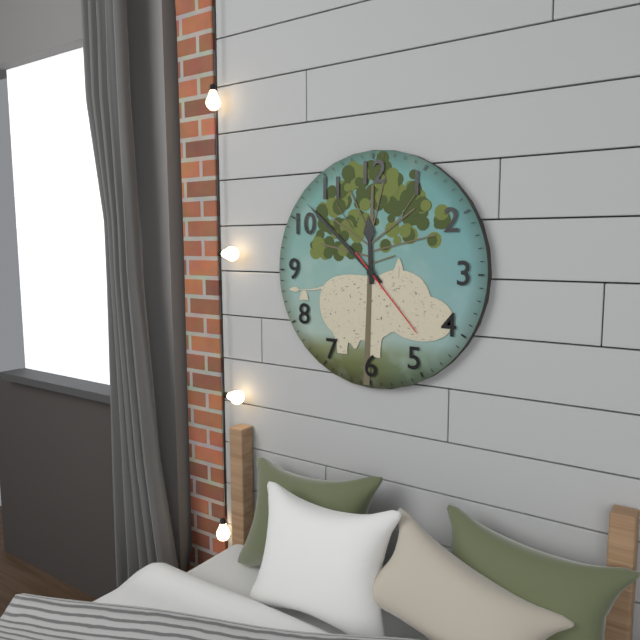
11:52:23
